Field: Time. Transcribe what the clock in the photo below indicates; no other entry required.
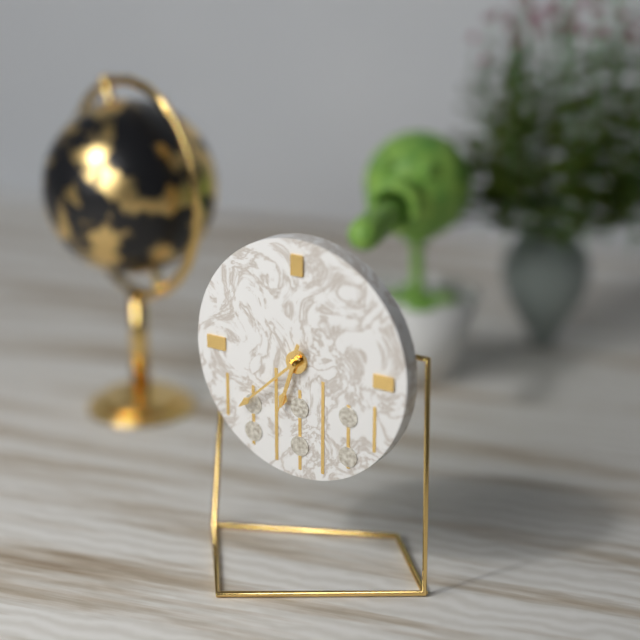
6:38:33
